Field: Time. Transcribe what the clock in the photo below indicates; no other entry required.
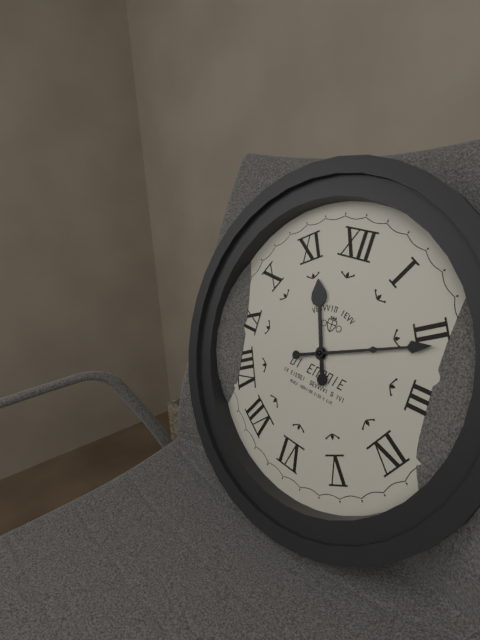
11:11
